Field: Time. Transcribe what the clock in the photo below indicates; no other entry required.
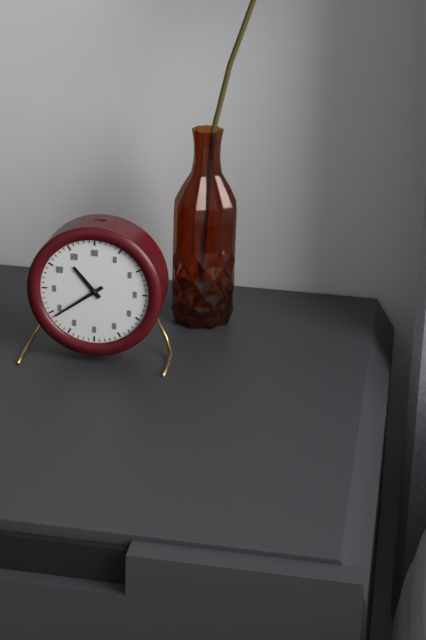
10:39
